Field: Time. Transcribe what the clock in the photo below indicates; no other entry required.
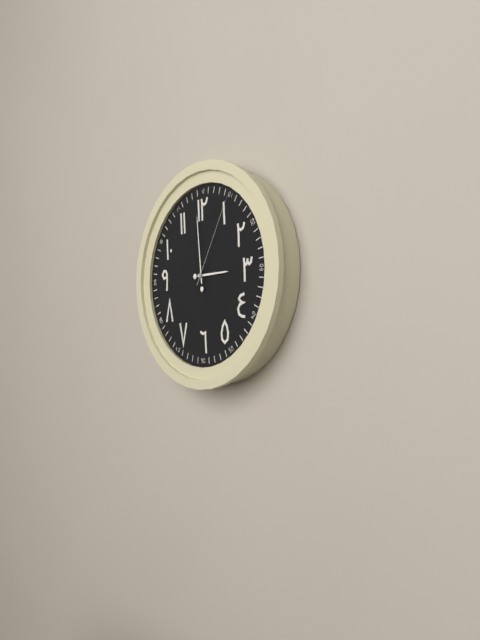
2:59:05
